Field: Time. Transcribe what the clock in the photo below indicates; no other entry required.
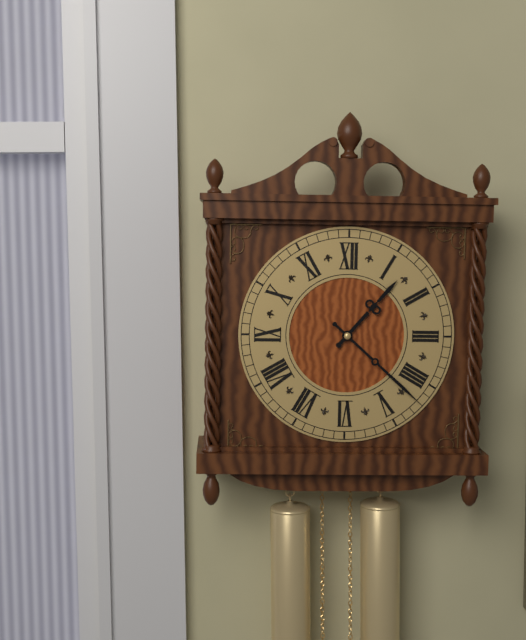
1:22
